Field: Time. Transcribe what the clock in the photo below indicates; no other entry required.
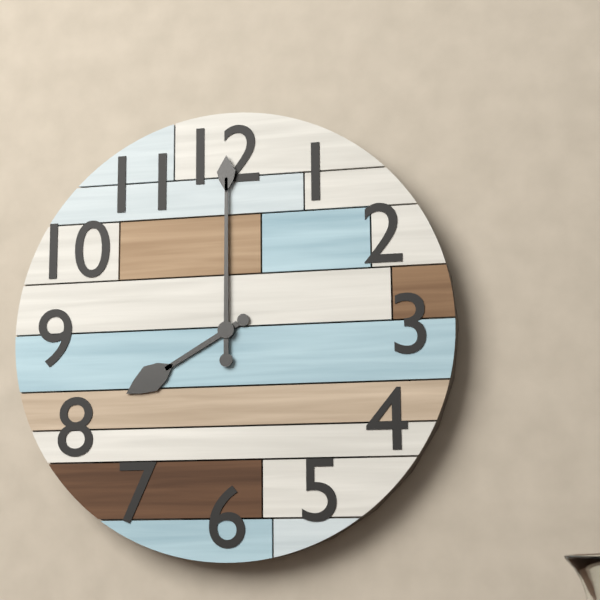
8:00
